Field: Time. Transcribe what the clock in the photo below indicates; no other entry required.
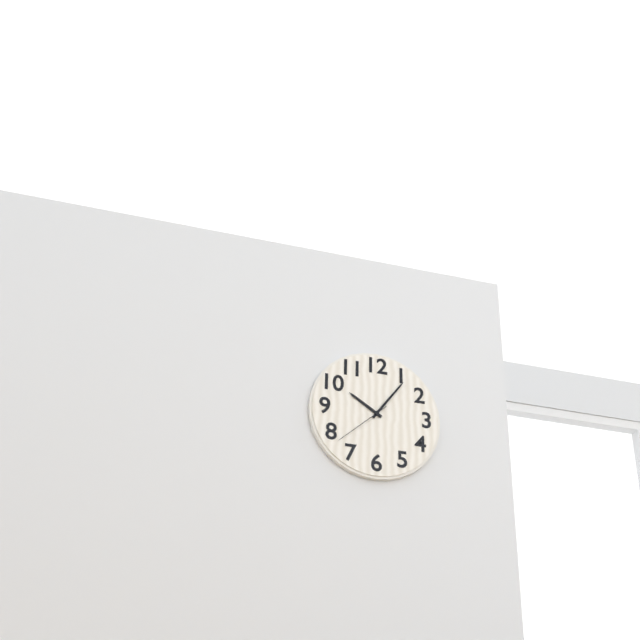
10:06:38
